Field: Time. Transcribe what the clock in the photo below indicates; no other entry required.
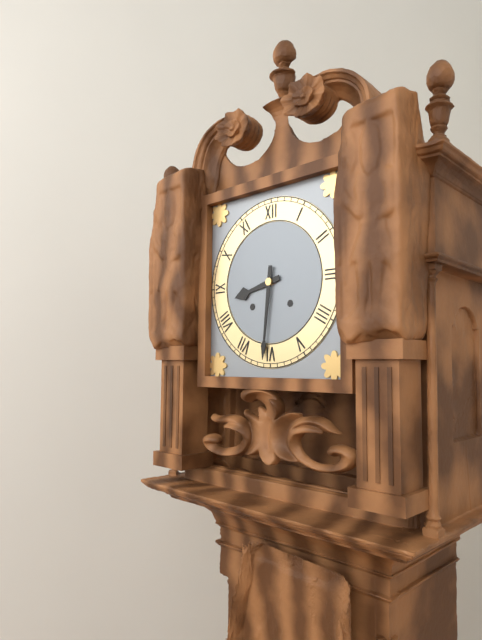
8:31
